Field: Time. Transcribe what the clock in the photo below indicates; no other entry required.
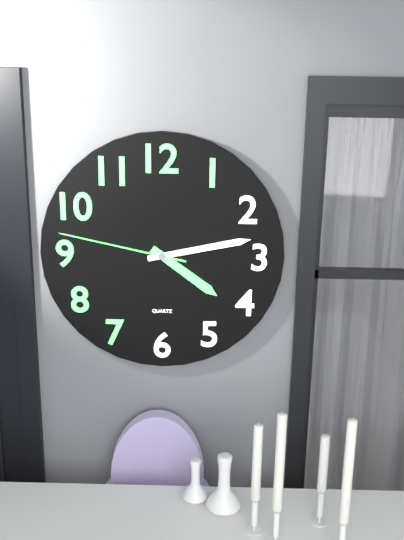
4:13:47
